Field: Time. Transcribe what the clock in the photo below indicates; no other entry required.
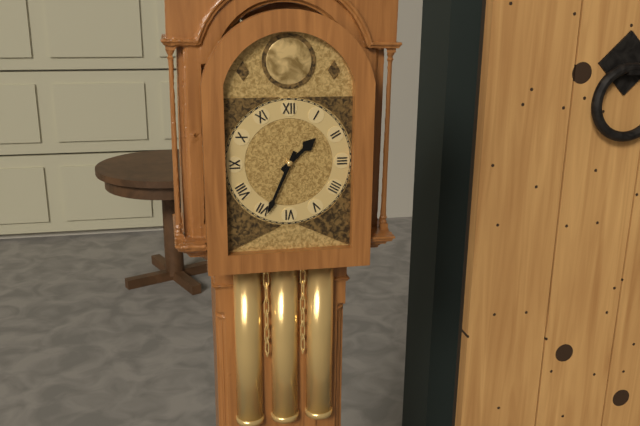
1:34
